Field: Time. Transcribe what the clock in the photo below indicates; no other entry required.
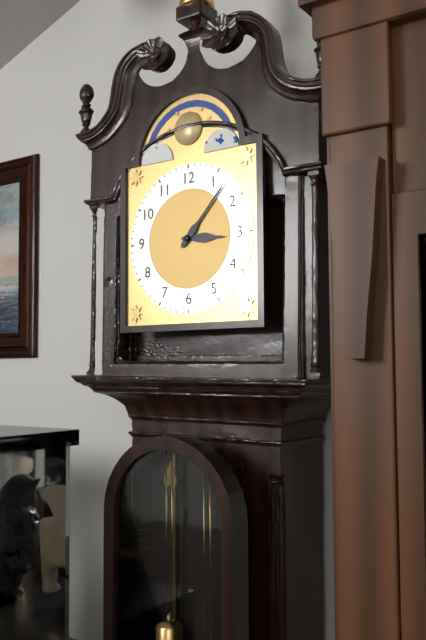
3:07
